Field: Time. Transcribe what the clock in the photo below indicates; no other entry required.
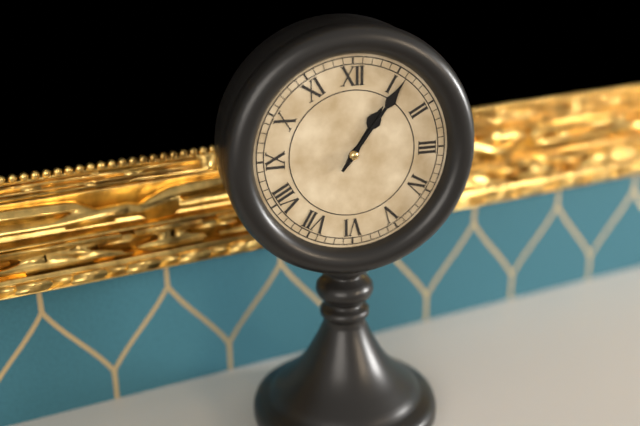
1:06
